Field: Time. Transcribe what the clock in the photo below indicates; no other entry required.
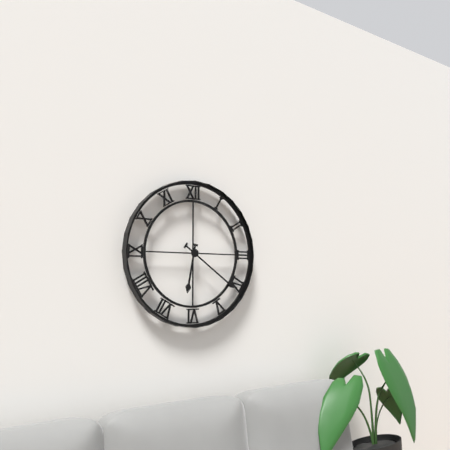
6:21
